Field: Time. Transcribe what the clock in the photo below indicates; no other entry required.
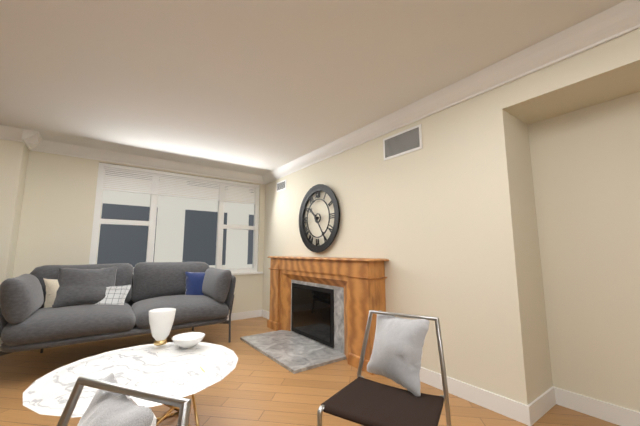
10:24
